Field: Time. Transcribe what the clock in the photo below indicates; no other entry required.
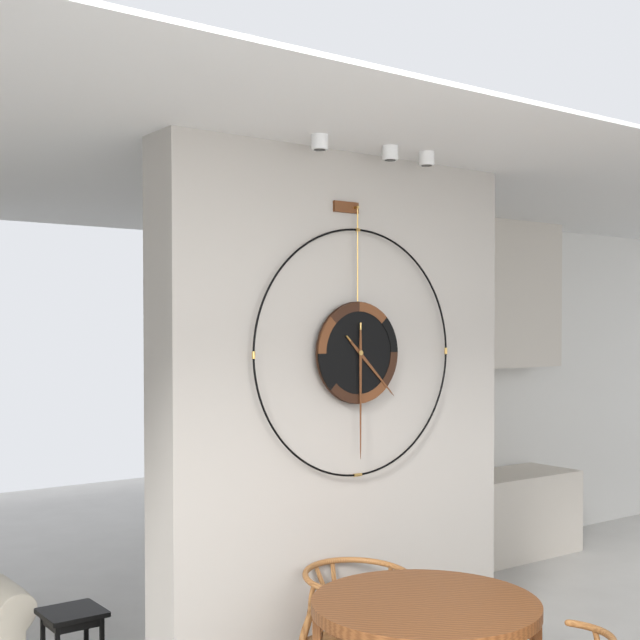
4:30
